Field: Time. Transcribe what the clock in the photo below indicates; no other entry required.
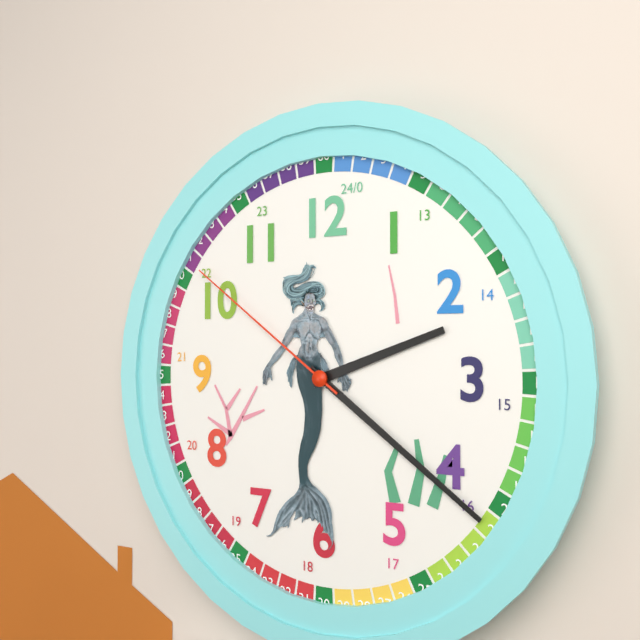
2:21:51
